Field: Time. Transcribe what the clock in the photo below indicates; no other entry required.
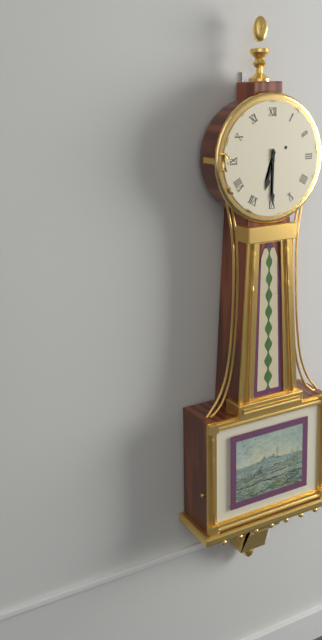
6:30
